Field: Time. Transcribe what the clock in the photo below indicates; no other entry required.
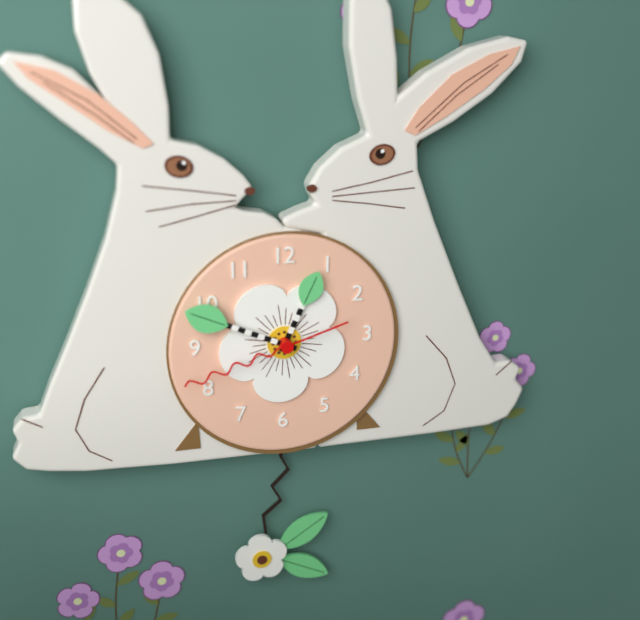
12:49:42
